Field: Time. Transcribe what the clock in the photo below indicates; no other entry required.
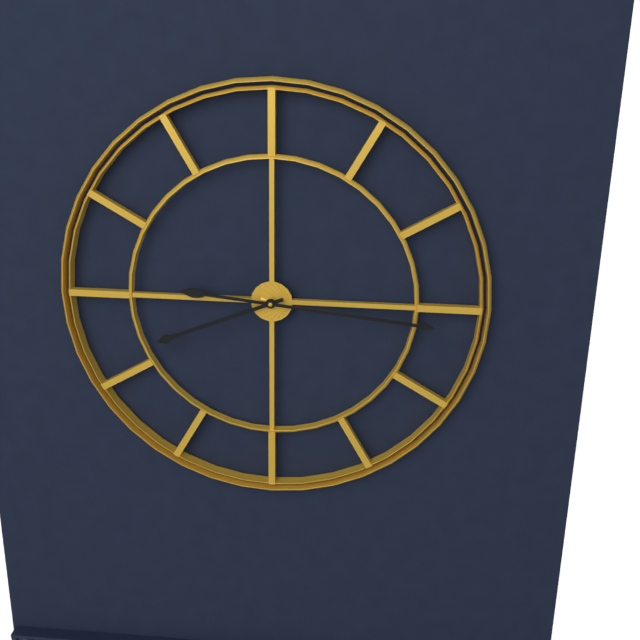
8:16
